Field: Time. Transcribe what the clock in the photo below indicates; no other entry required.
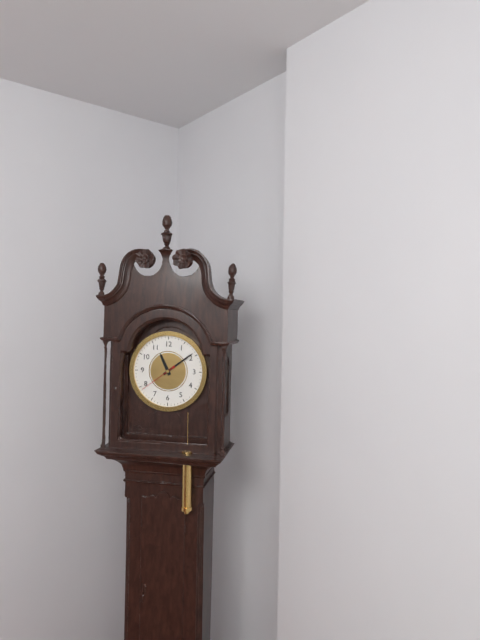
11:09
